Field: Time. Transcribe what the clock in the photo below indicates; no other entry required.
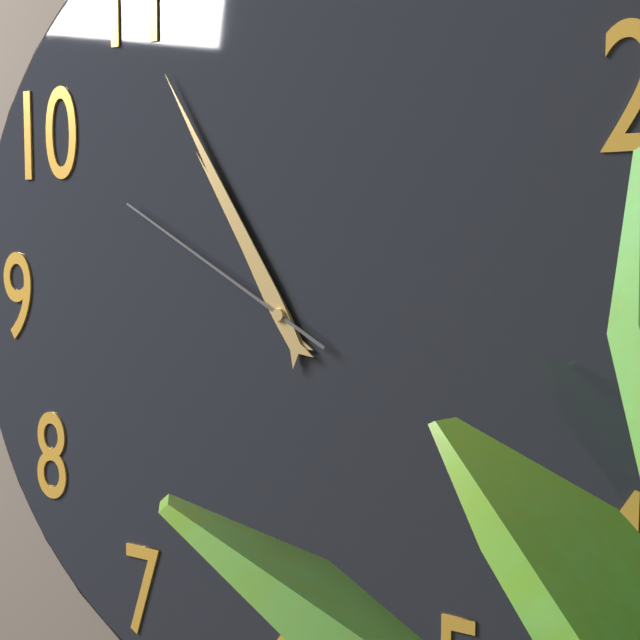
10:55:50
